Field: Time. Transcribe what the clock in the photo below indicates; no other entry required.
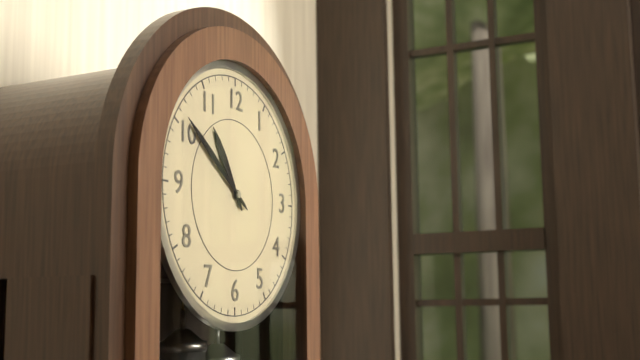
10:51
